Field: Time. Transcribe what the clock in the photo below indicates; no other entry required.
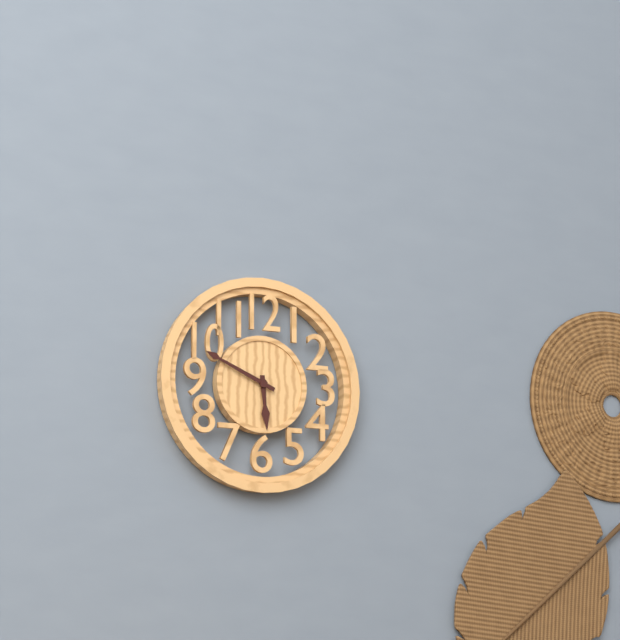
5:49
